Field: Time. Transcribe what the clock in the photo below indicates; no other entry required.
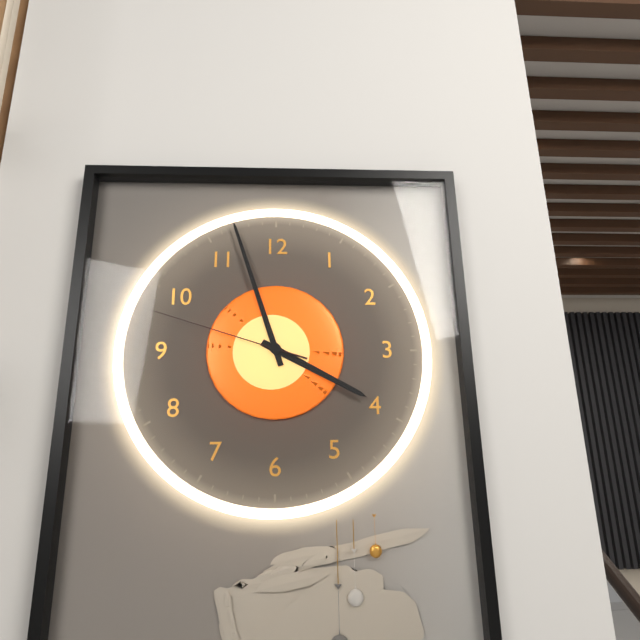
3:57:48
